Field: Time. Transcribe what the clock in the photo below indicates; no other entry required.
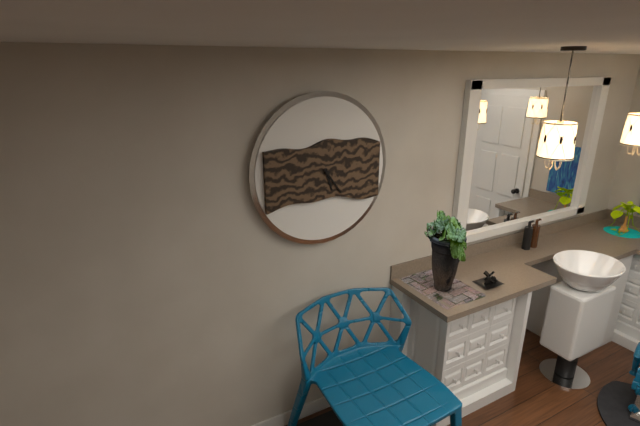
5:24
